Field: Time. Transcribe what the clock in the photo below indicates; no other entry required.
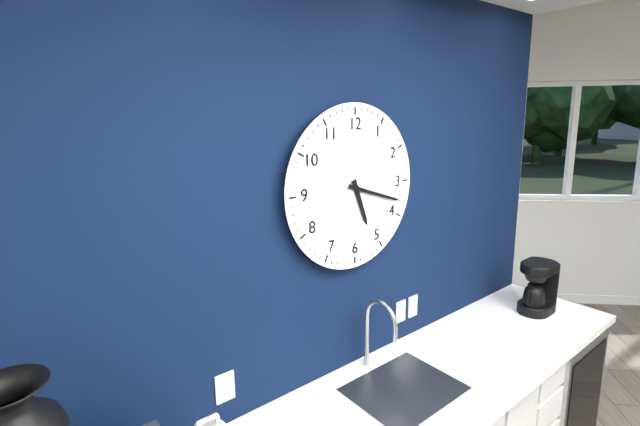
5:18
